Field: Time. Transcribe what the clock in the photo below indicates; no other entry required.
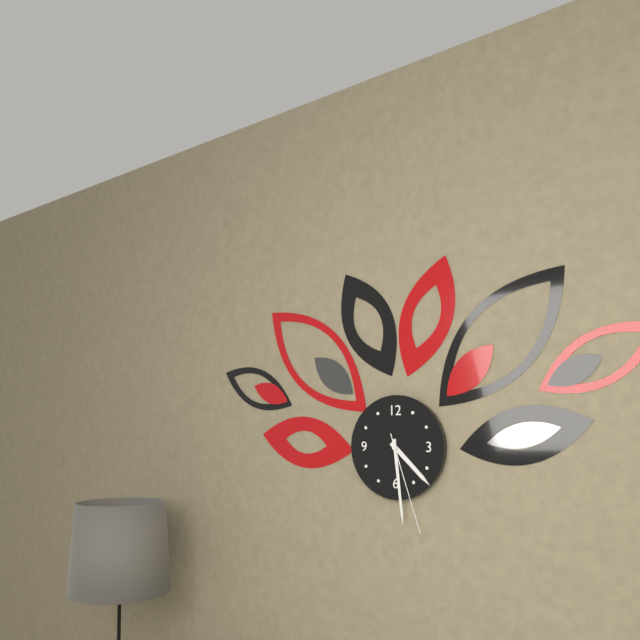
4:29:27
